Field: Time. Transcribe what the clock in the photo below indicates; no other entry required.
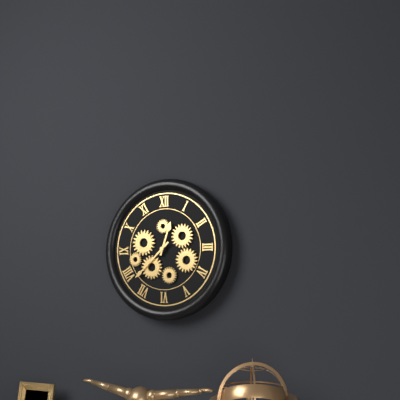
12:38
